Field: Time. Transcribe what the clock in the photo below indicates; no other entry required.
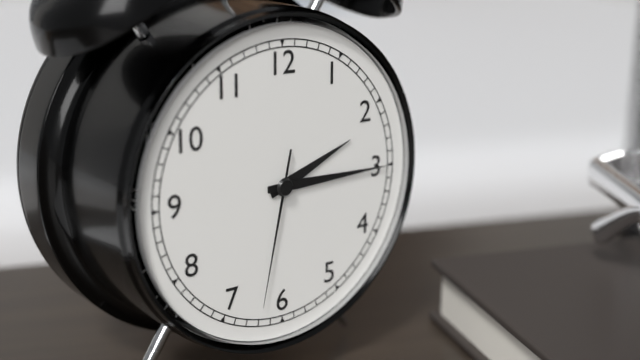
2:15:32
